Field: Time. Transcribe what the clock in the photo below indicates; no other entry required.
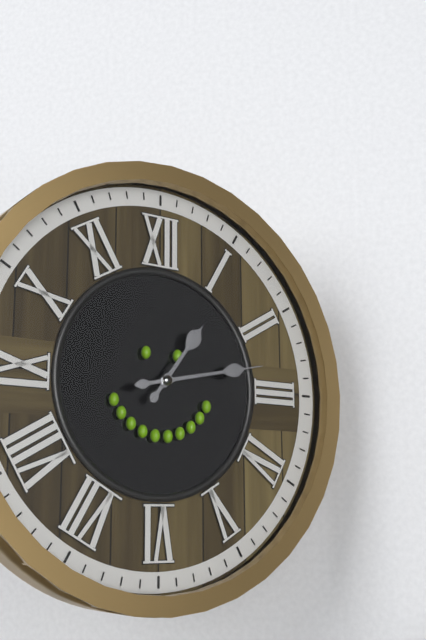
1:13:13
